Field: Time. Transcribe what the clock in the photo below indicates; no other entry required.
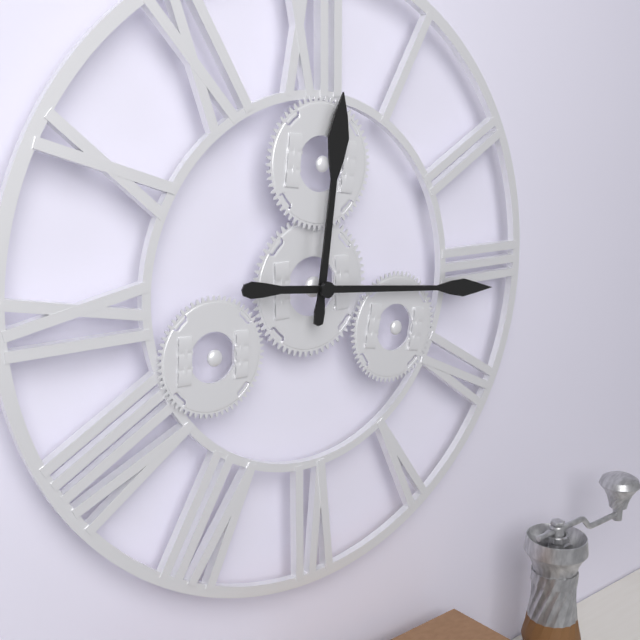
12:16
